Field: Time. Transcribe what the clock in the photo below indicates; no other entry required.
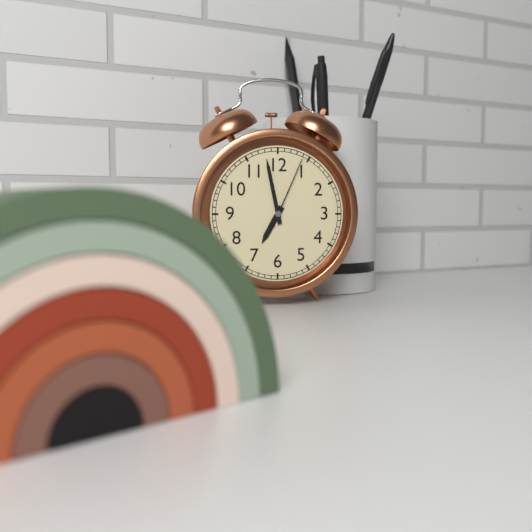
6:58:04
